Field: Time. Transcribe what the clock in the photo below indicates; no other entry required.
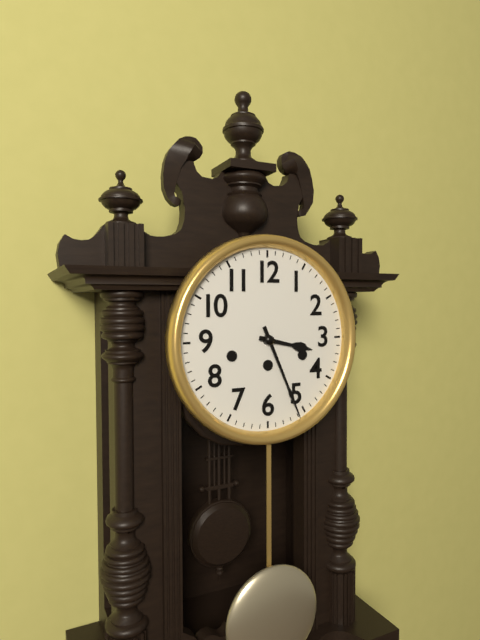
3:26
